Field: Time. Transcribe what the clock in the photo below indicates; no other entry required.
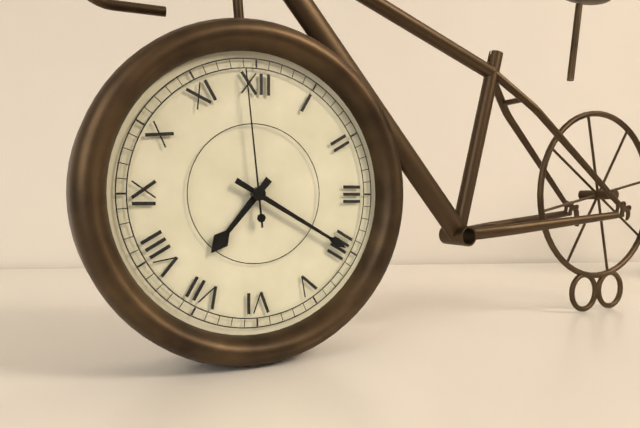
7:20:59
